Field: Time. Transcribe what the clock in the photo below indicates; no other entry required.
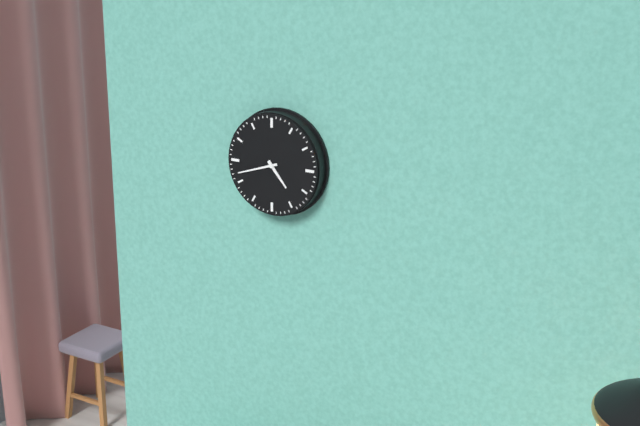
4:42
